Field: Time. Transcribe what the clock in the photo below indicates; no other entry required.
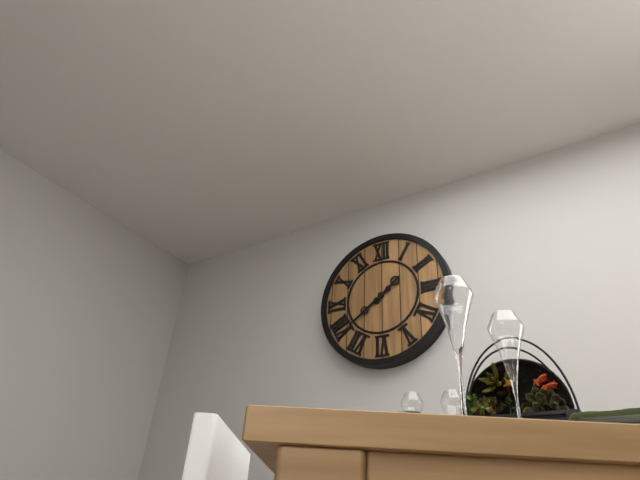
1:39
